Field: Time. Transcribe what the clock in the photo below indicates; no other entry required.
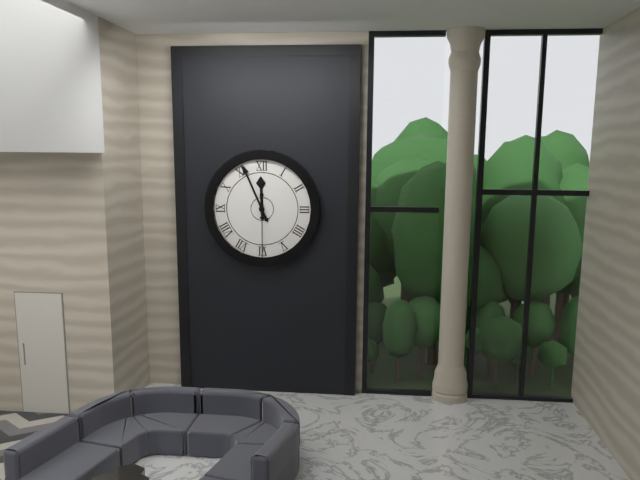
11:56:30
